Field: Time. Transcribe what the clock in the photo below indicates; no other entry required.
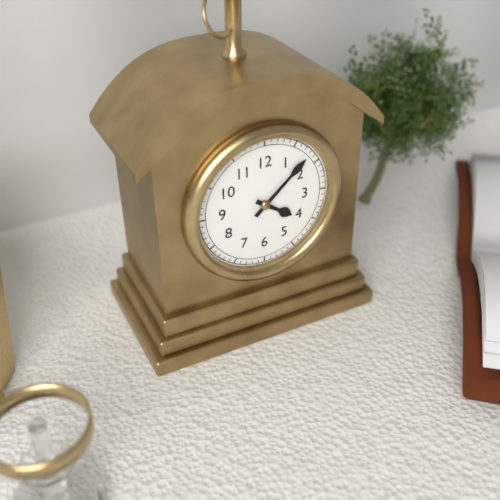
4:08
